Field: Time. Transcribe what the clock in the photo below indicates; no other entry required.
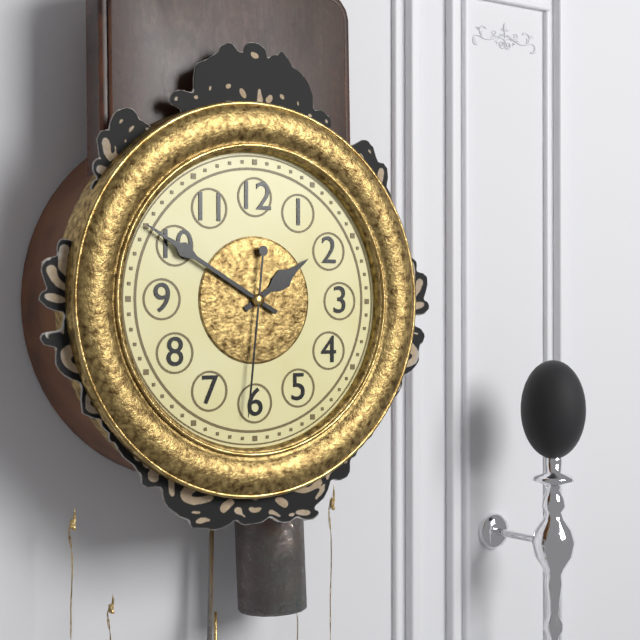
1:50:31
